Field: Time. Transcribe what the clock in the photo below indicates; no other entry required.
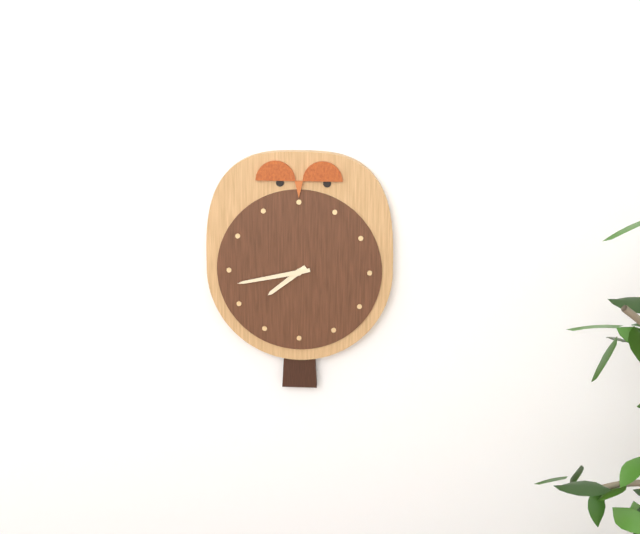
7:43
